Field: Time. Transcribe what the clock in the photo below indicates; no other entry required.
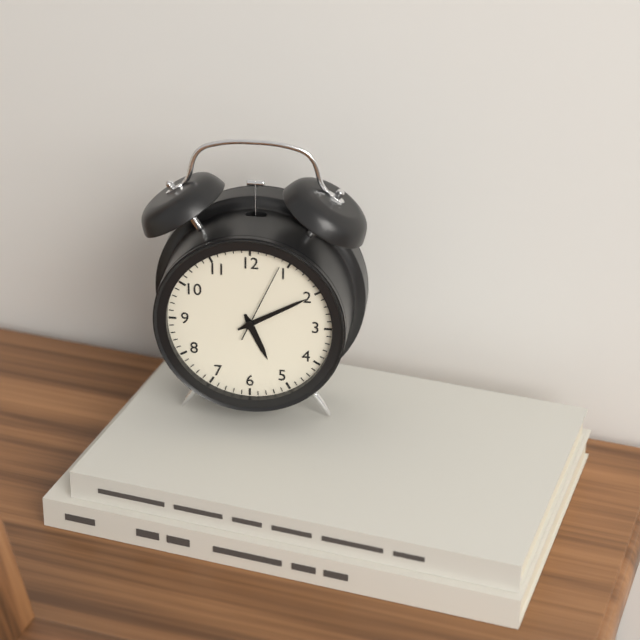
5:10:04
